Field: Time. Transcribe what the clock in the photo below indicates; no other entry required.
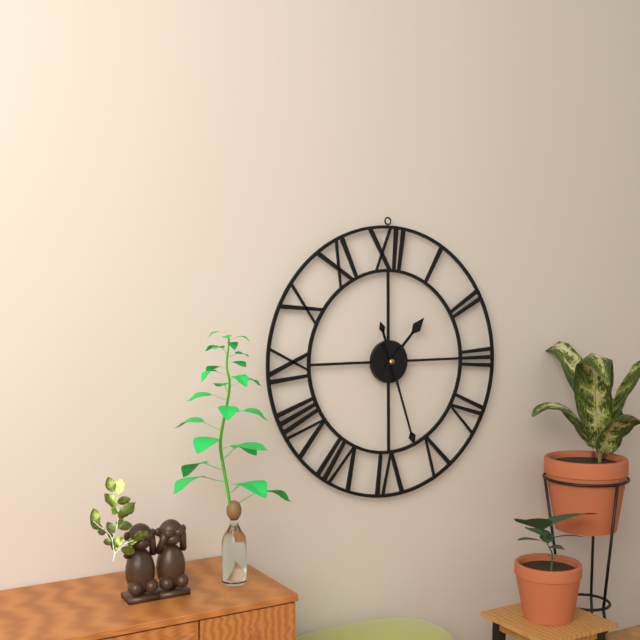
1:27
